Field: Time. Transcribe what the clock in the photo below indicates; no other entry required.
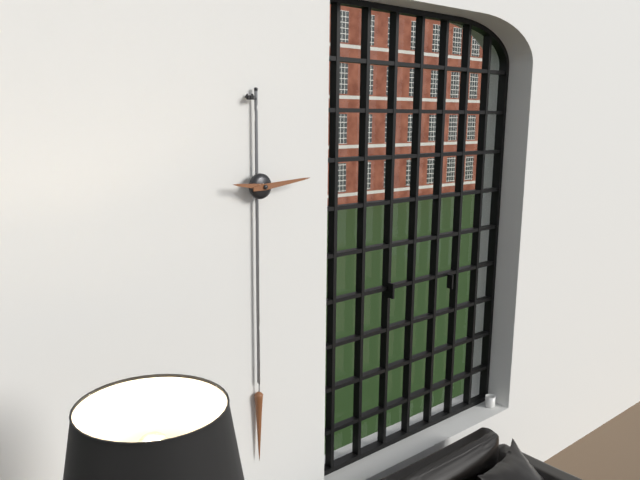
9:14
